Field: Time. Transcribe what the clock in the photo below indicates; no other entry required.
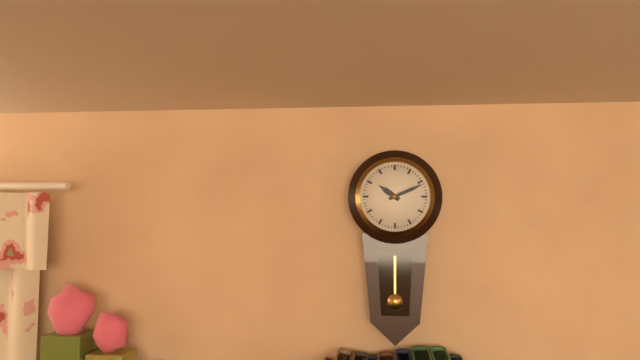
10:11
